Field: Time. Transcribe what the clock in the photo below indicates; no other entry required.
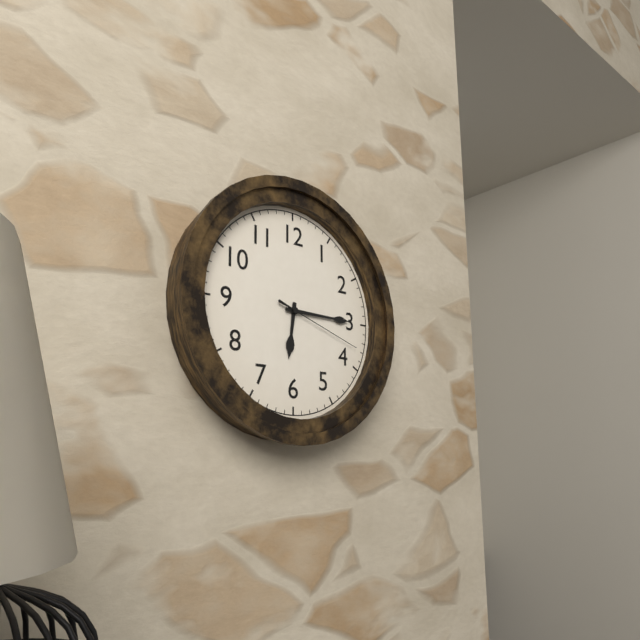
6:15:18
